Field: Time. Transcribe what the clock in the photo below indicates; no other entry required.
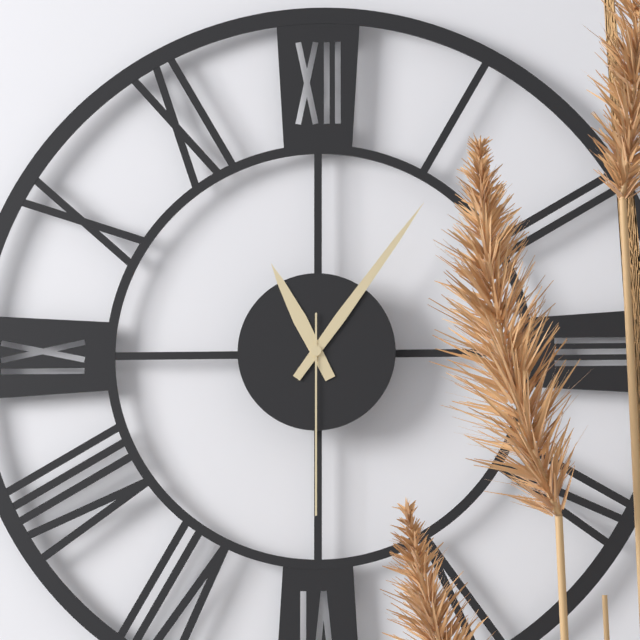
11:06:30
